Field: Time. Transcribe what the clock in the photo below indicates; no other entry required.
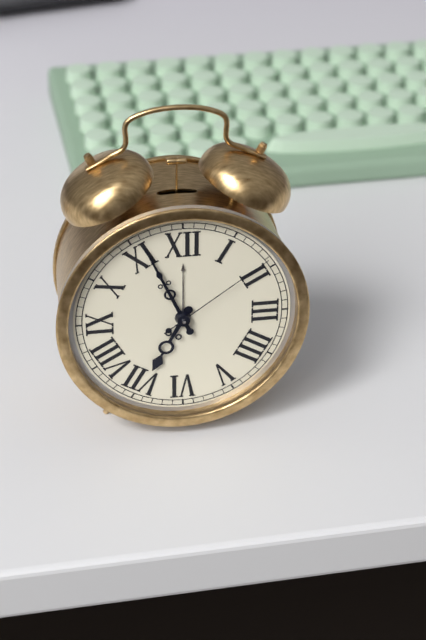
6:56:09
